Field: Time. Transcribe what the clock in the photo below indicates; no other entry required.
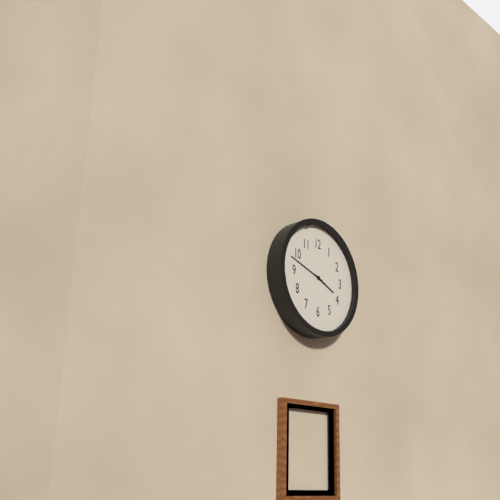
3:48
